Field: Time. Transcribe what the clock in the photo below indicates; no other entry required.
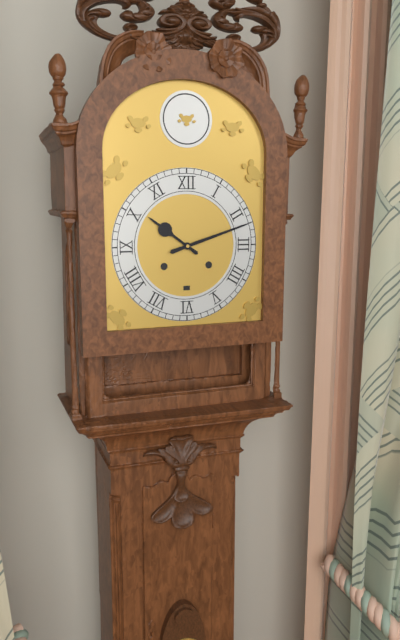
10:12
